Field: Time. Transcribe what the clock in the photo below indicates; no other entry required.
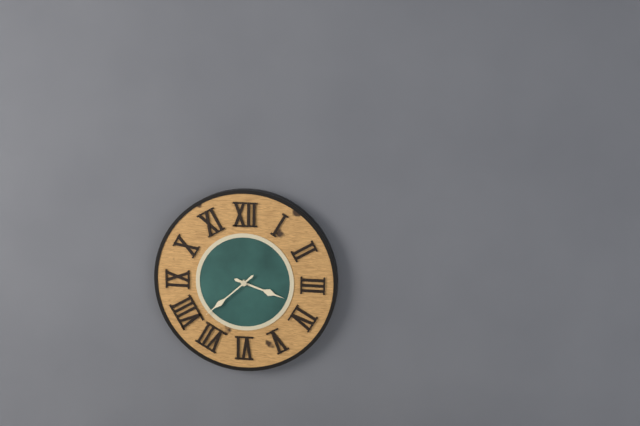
3:38
